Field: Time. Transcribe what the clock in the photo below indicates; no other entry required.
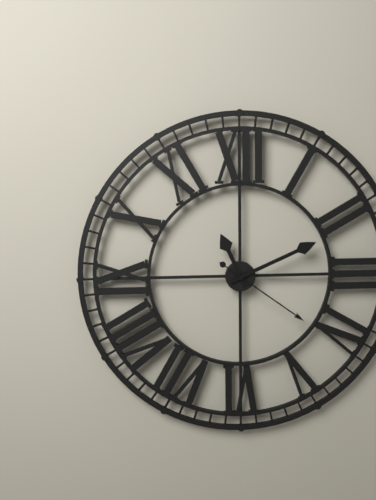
11:11:21
